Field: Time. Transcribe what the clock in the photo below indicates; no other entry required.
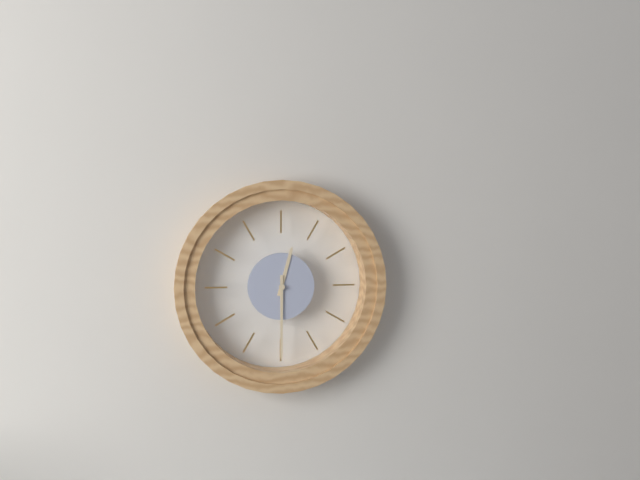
12:30
